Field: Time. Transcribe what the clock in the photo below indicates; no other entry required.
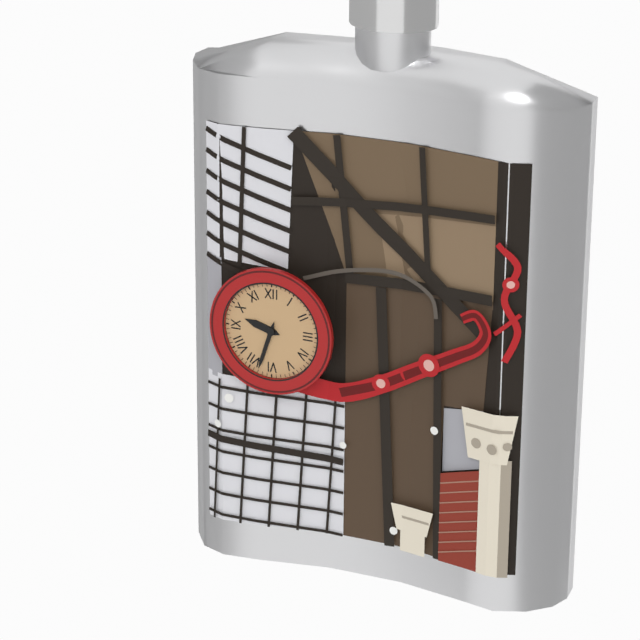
9:33
